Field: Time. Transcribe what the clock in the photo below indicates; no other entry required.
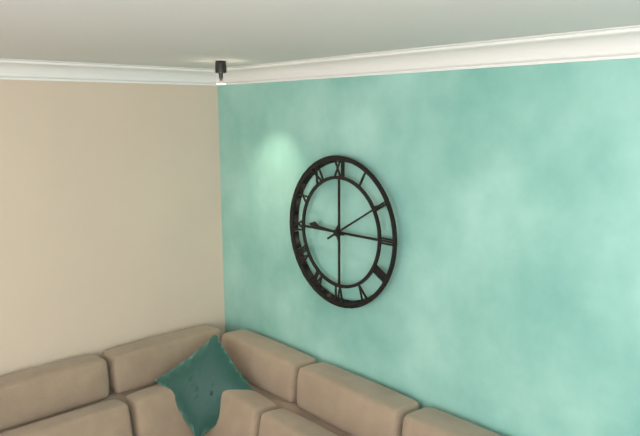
9:10
